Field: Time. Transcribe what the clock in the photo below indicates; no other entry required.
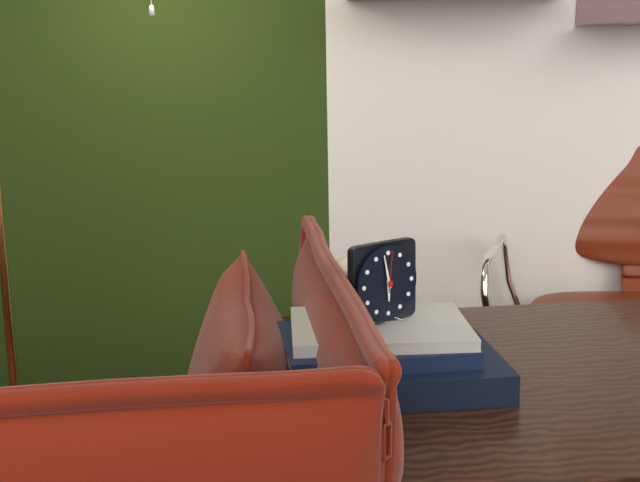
5:58
